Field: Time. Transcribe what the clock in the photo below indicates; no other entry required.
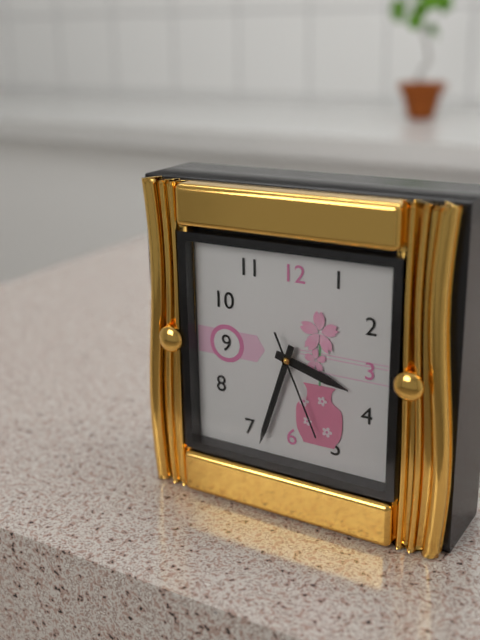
3:33:26
